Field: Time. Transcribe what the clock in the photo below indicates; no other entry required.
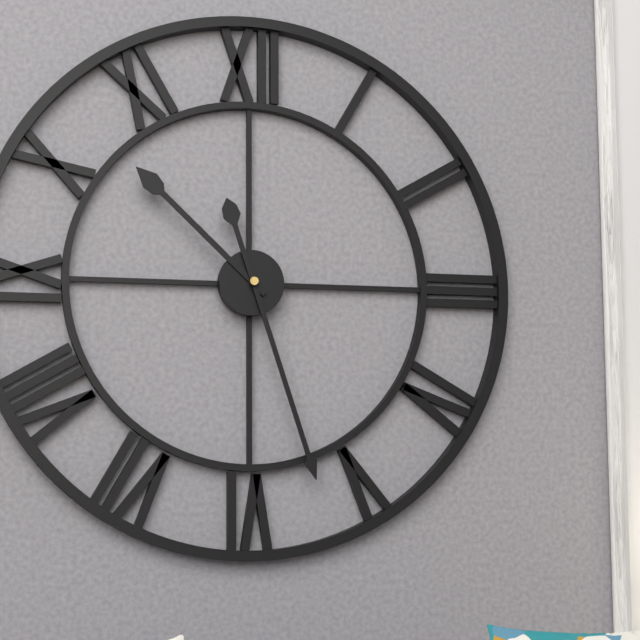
10:27
